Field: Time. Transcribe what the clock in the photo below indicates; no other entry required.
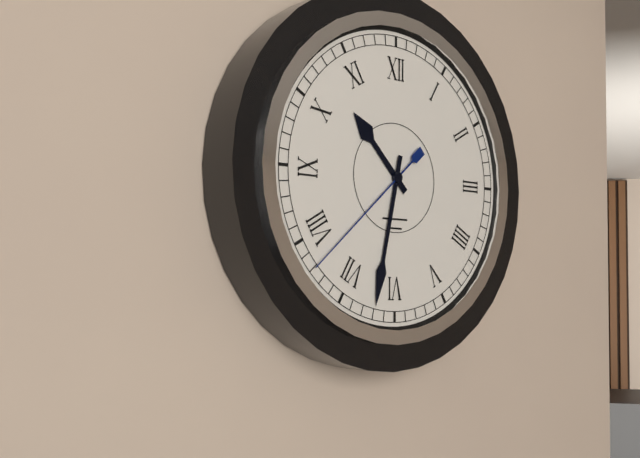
10:32:38
